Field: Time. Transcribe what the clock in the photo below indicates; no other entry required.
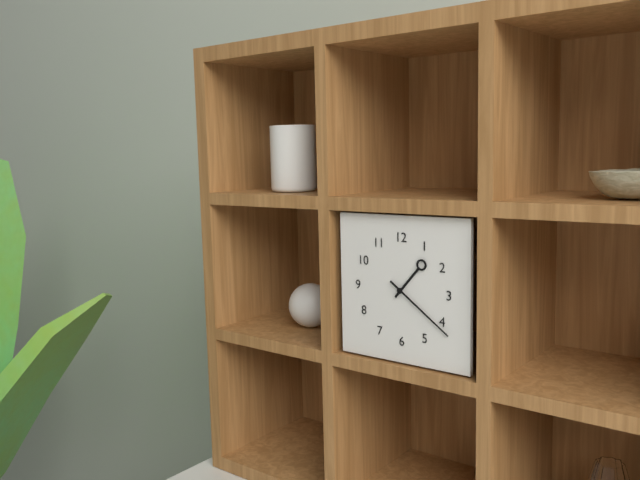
1:21
